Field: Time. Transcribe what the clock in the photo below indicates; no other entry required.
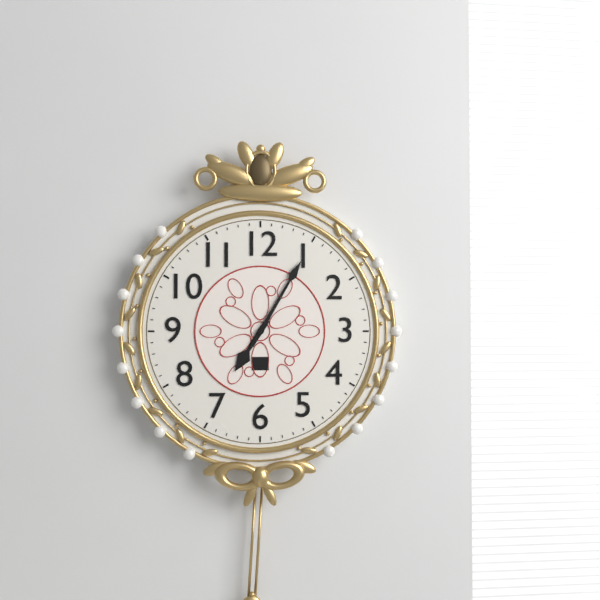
7:05
